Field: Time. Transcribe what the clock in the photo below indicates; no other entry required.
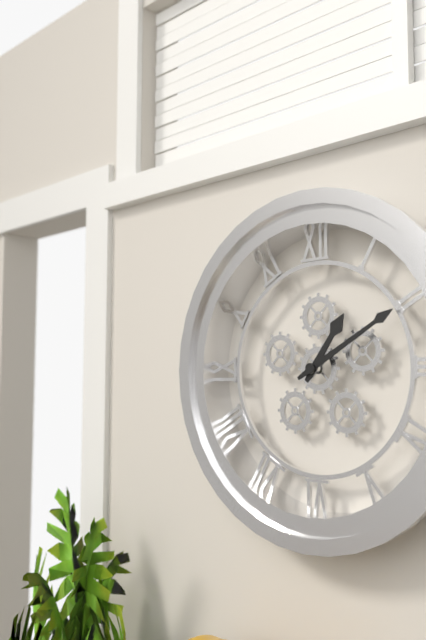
1:10
